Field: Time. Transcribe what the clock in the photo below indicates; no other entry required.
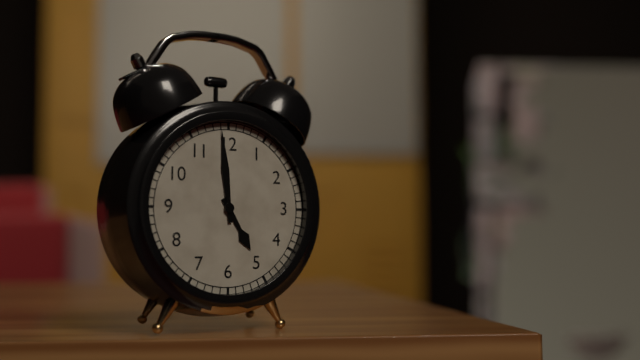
4:59
